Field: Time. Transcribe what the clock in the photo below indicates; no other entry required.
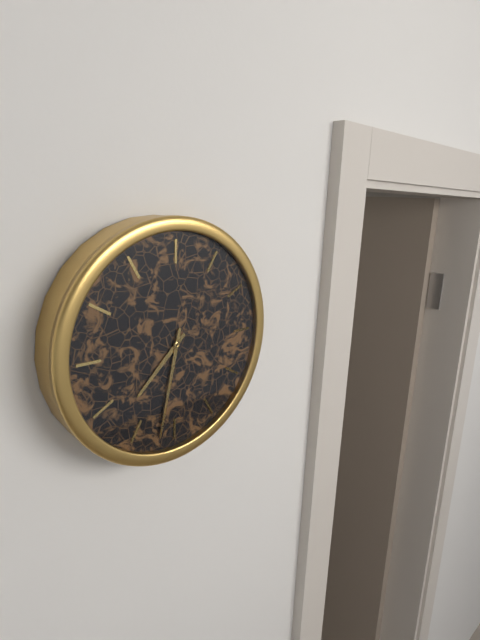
7:32
